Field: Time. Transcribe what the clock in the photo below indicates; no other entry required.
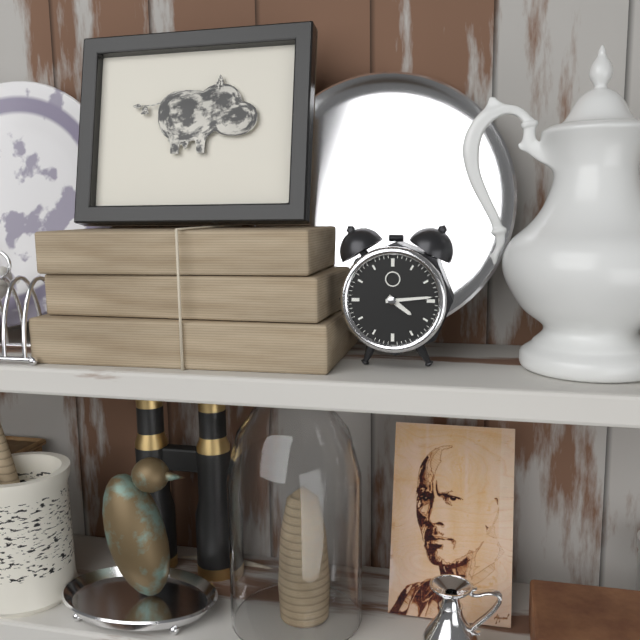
4:14
